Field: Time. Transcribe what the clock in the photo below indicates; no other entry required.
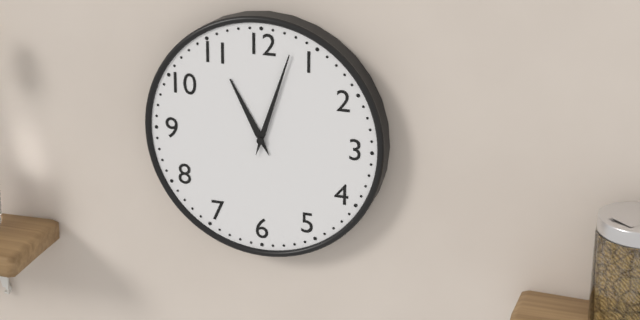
11:03
